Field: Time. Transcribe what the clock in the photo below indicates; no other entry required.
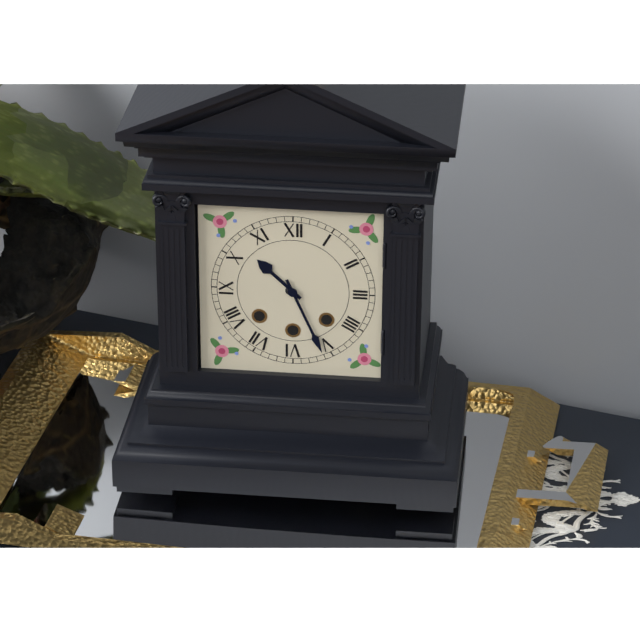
10:26
